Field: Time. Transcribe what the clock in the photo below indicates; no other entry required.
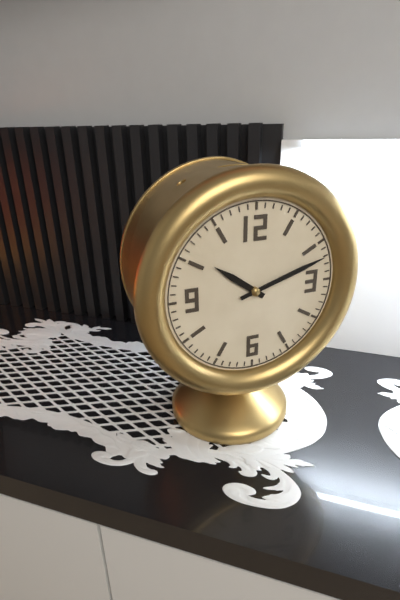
10:12
